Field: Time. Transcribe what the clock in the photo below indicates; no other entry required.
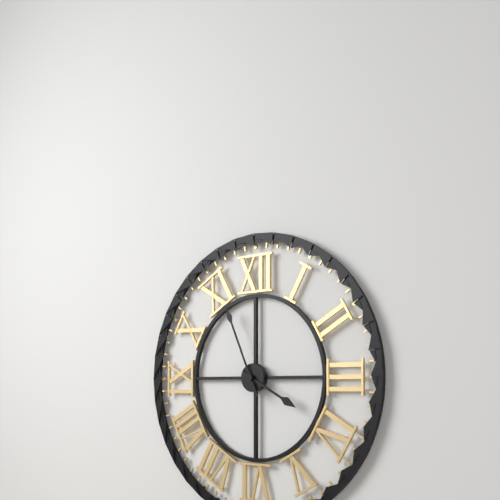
3:56
